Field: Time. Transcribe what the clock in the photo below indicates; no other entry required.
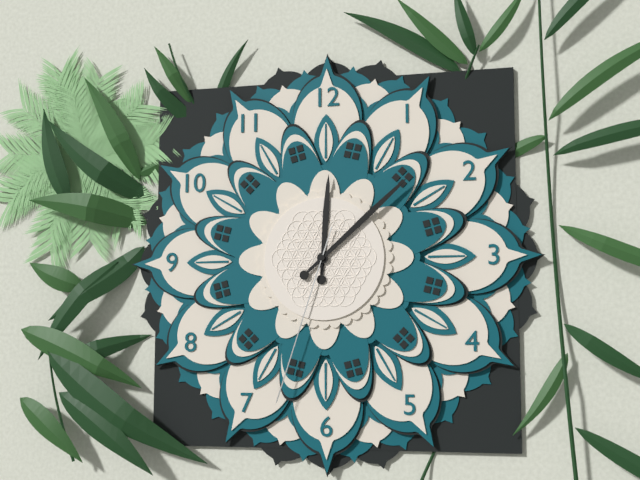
12:08:33
